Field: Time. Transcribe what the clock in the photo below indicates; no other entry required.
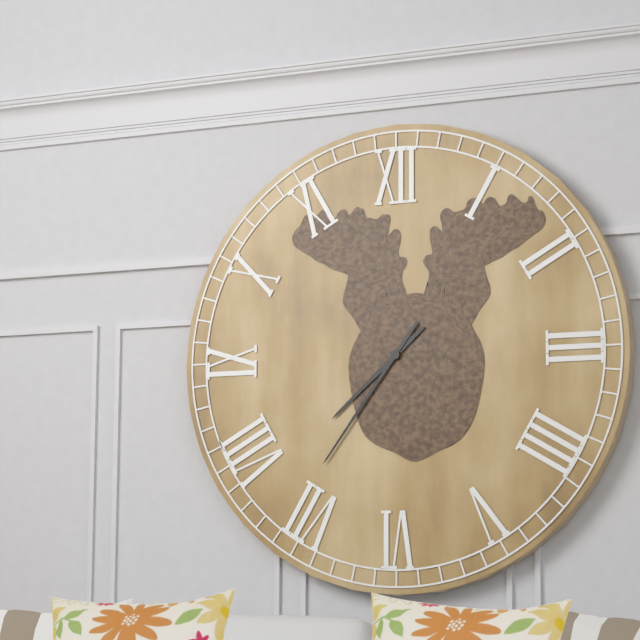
7:36
